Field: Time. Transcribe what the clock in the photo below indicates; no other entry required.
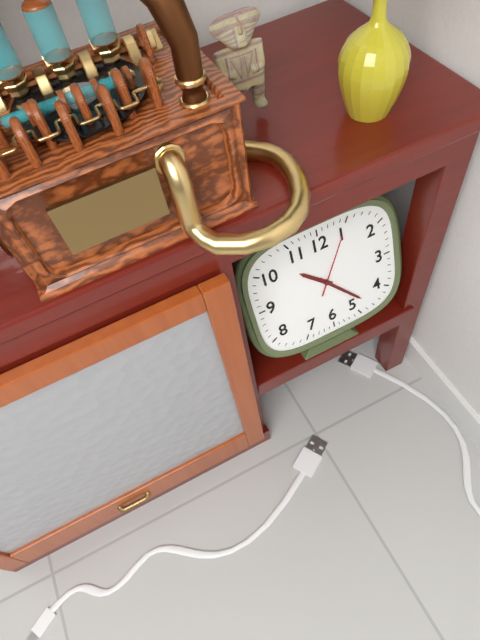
10:23:05
